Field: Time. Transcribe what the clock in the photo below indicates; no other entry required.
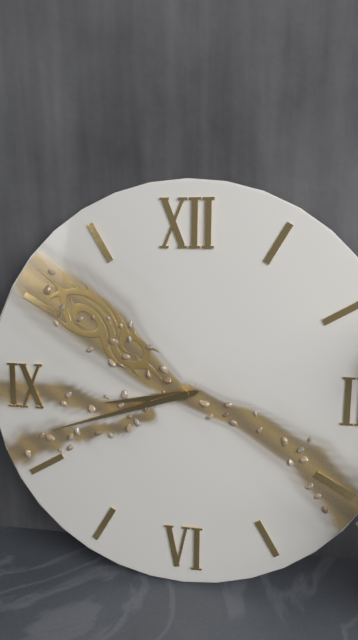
8:42
